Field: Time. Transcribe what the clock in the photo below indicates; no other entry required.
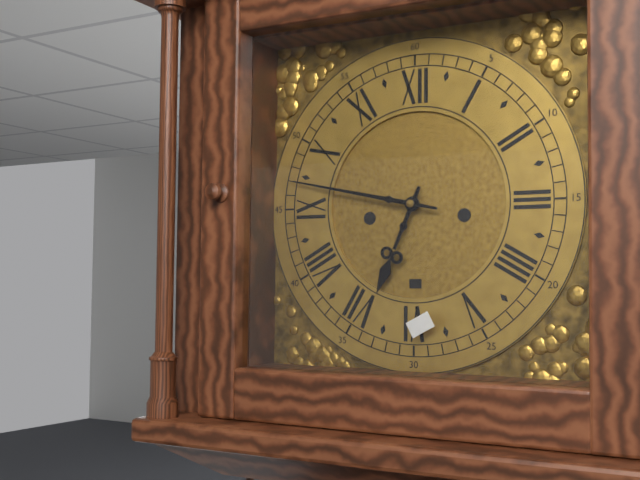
6:47
